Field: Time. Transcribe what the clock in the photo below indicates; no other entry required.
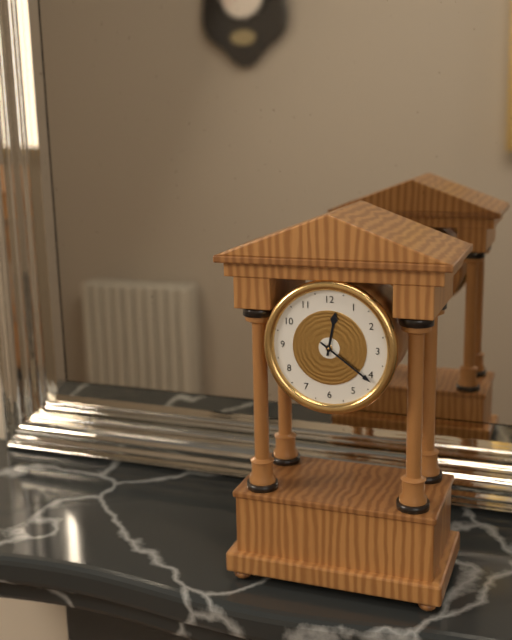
12:21
